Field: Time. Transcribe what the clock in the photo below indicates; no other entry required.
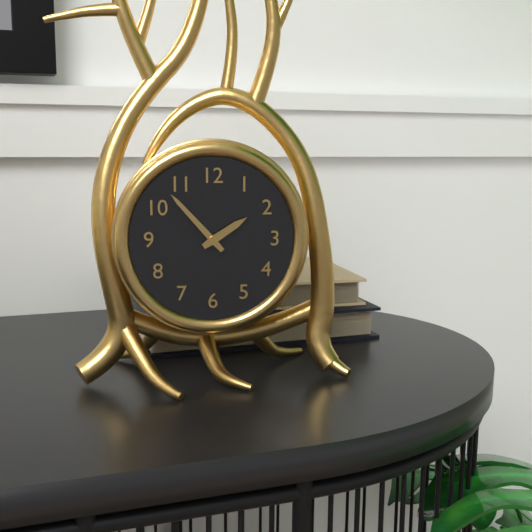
1:53
